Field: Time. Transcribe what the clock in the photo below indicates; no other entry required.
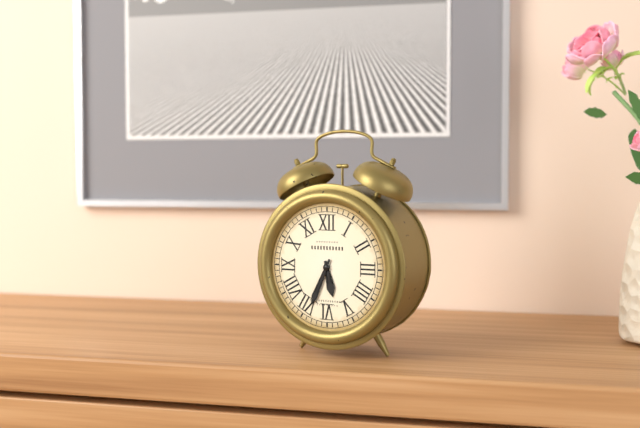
5:34
